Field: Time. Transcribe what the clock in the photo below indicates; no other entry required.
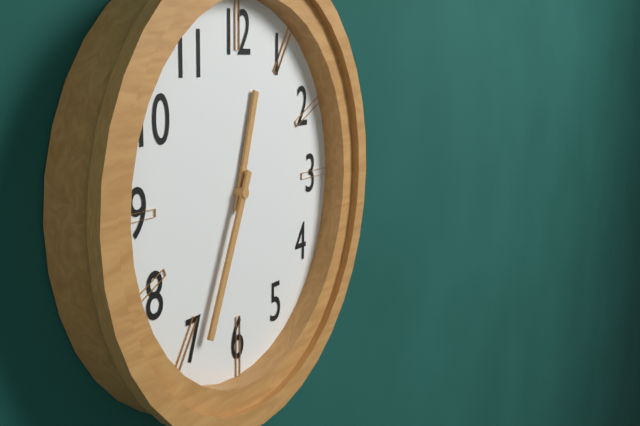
12:34
